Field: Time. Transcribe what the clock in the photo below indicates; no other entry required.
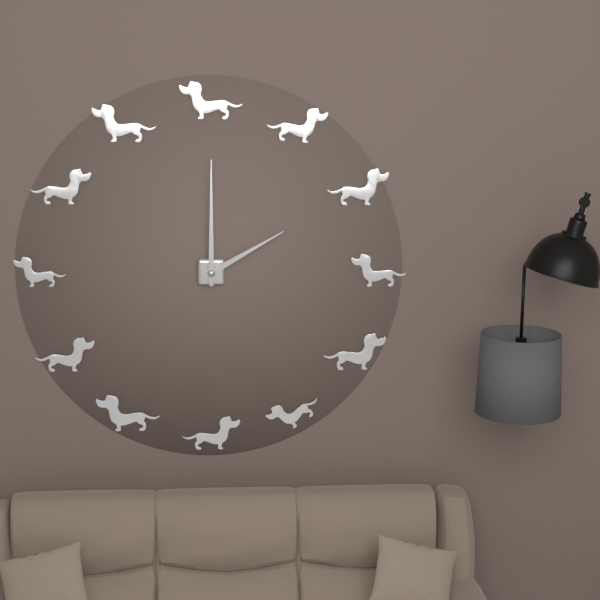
2:00
